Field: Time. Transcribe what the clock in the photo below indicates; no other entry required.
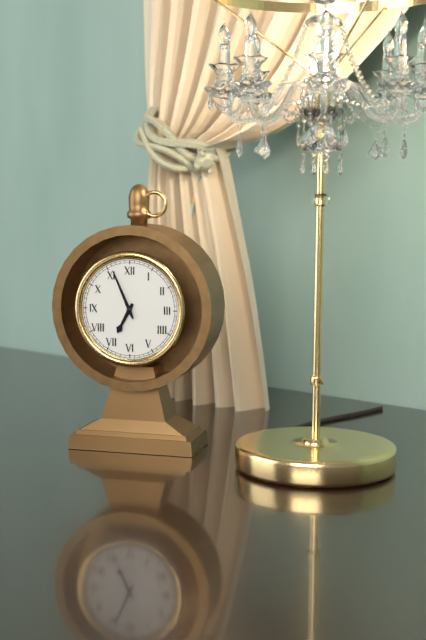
6:56
